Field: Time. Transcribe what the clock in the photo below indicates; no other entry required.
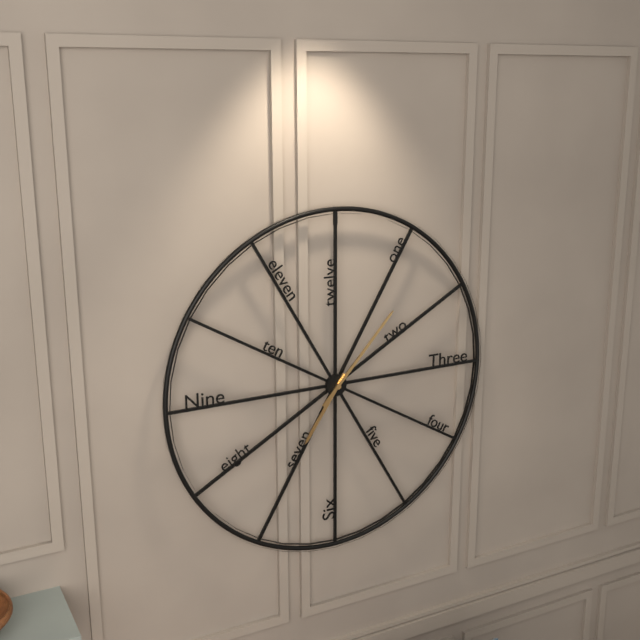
7:07
